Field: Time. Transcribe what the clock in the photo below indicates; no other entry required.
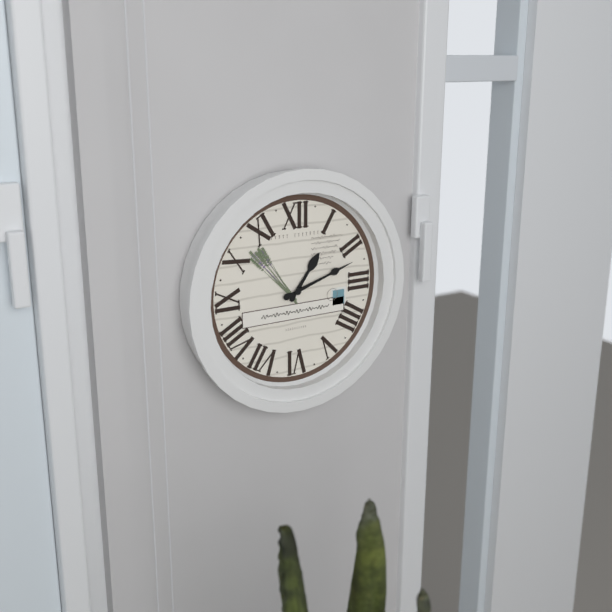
1:12
